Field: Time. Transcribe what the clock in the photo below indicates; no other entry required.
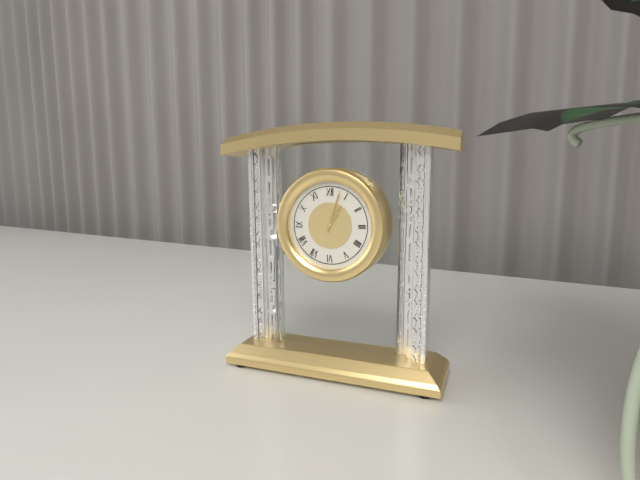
1:03
